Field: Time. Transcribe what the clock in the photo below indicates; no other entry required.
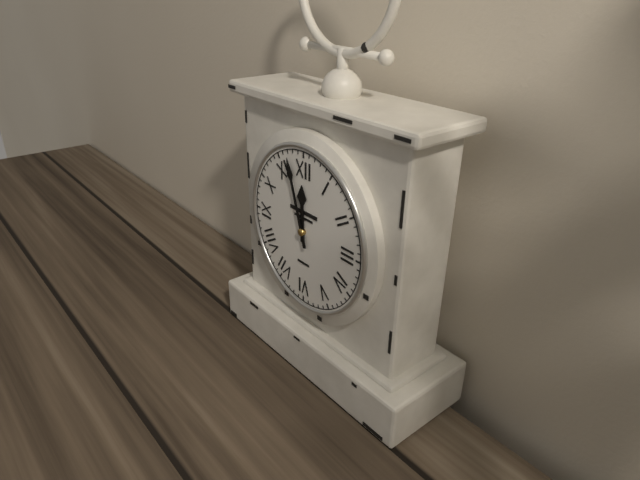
11:57
